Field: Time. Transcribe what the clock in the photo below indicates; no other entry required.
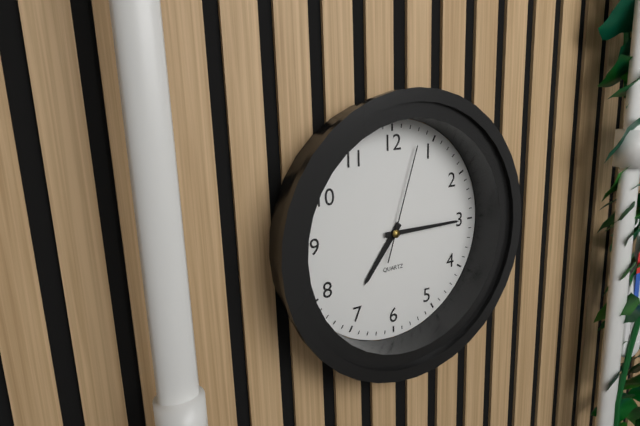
7:15:03
